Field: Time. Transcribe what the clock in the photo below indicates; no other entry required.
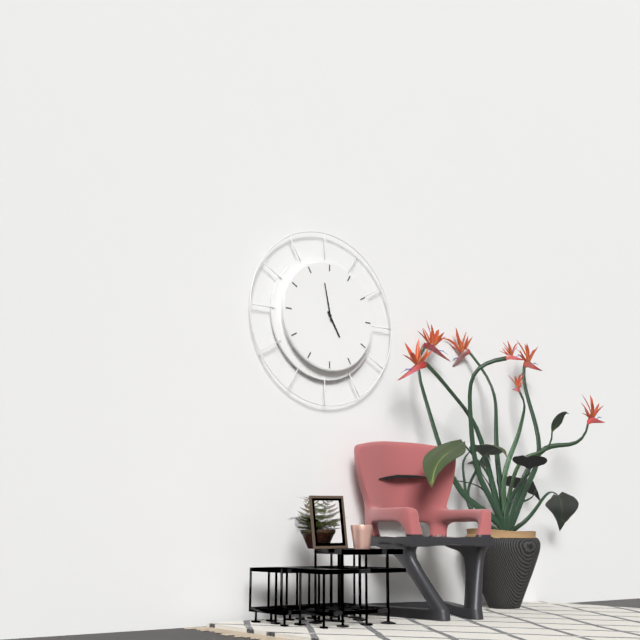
4:58
